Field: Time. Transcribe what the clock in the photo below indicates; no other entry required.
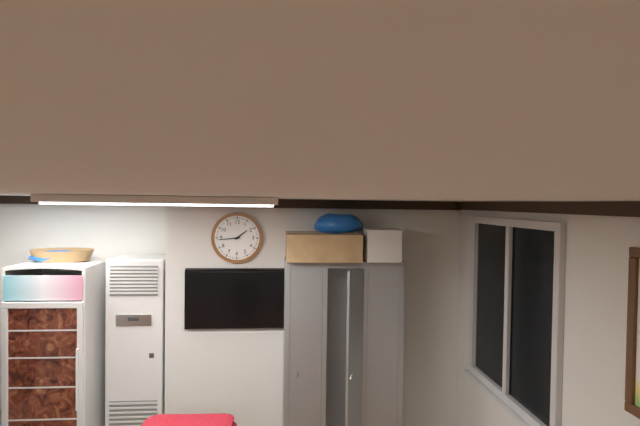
1:44
